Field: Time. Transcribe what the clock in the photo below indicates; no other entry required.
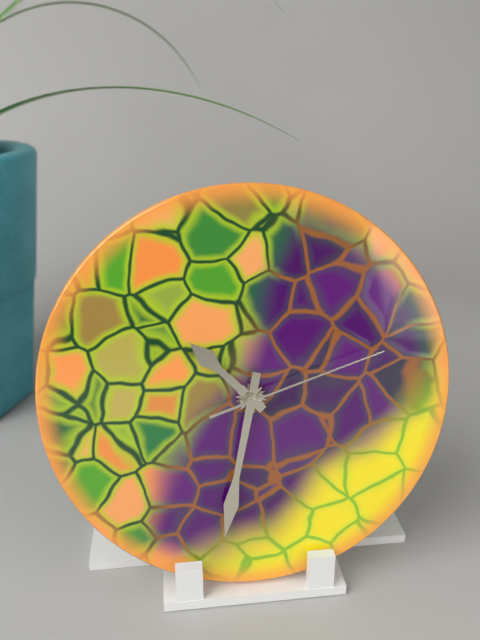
10:32:12
